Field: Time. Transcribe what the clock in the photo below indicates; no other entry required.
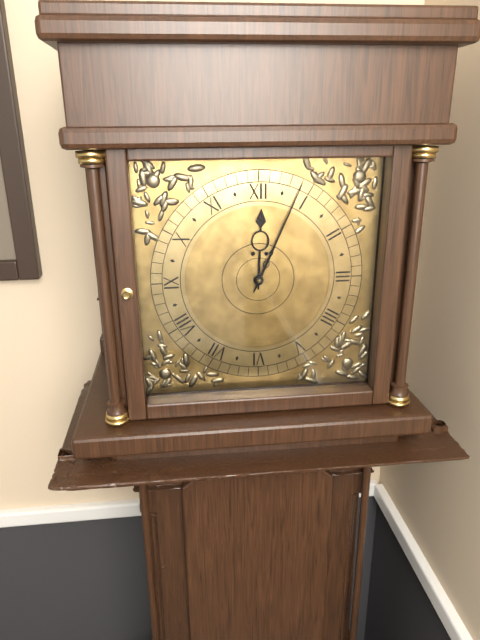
12:04
